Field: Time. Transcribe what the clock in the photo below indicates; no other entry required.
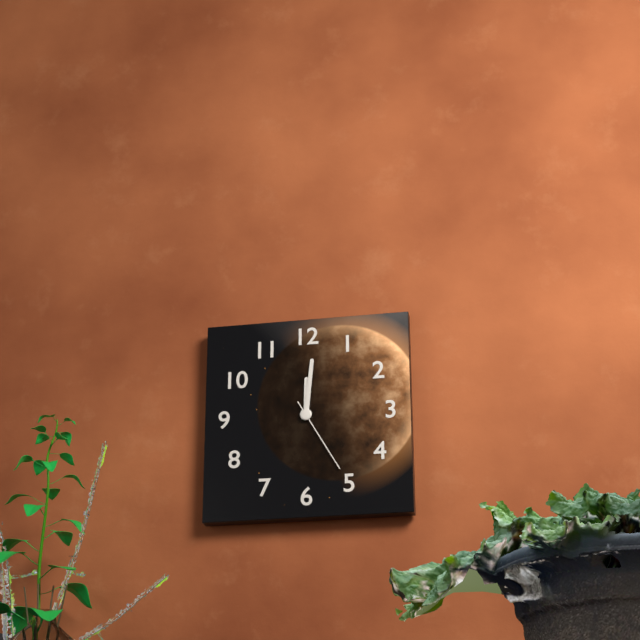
12:01:25
